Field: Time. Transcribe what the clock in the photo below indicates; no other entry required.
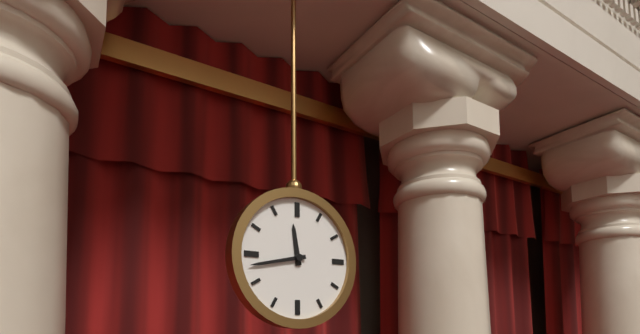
11:43
